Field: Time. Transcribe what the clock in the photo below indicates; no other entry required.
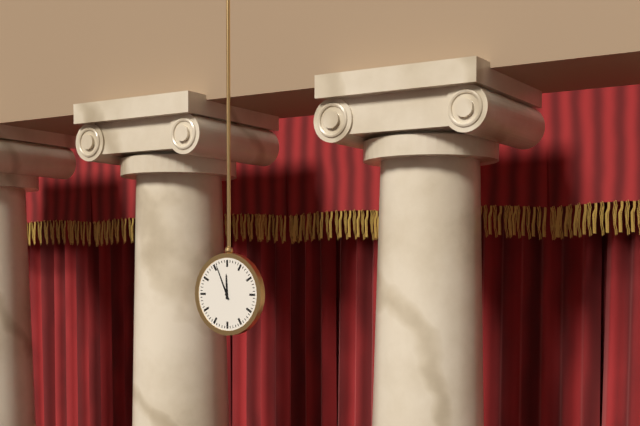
11:56
